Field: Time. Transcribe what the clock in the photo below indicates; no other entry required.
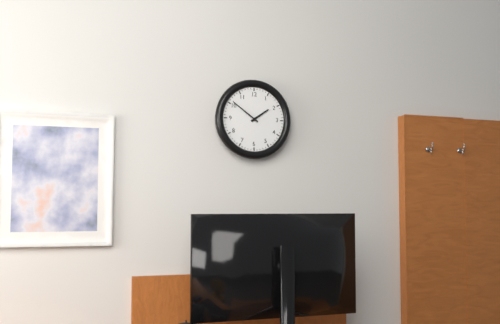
1:51
